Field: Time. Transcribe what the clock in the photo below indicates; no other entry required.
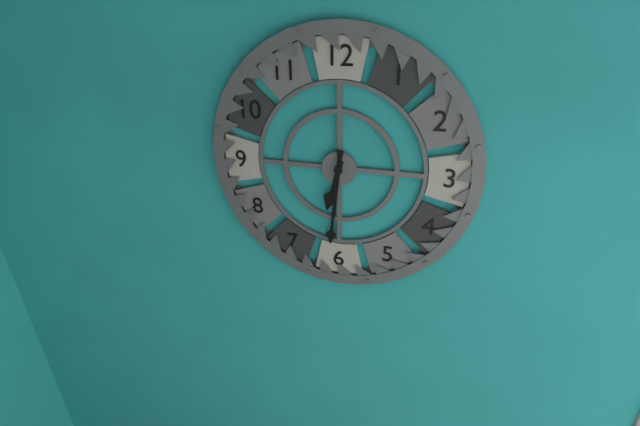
6:31
